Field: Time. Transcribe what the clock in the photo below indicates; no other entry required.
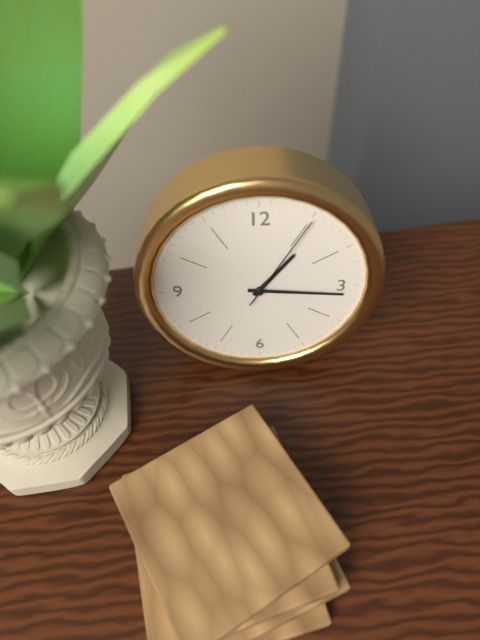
1:16:05
